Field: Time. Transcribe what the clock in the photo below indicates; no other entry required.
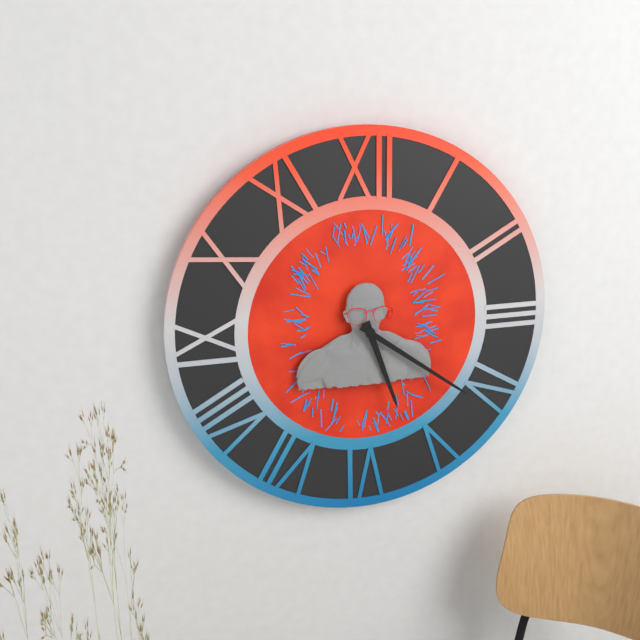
5:21
